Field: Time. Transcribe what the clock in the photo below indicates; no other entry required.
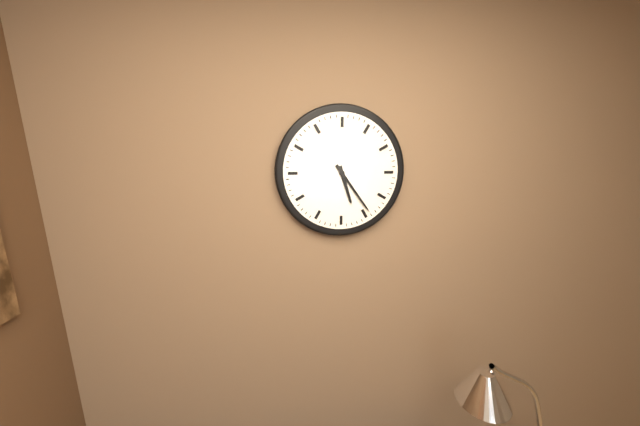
5:24
